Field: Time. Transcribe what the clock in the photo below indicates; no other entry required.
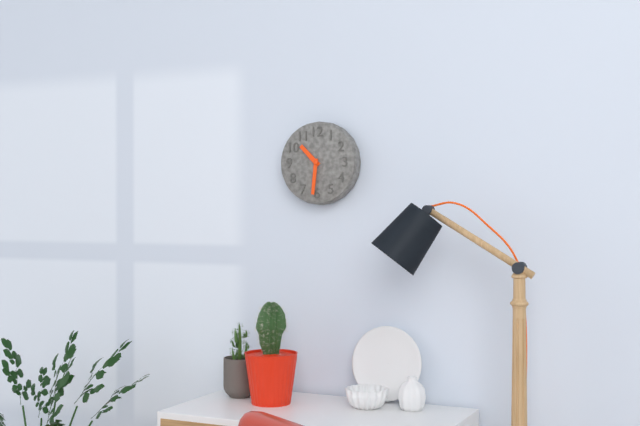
10:31
